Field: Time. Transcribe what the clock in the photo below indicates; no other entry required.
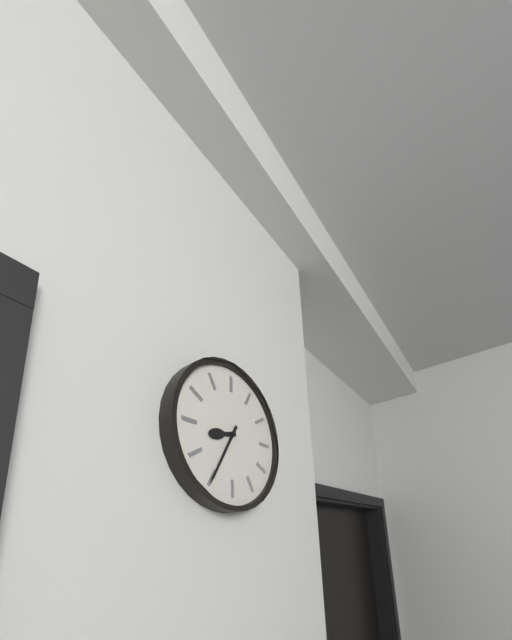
8:35
